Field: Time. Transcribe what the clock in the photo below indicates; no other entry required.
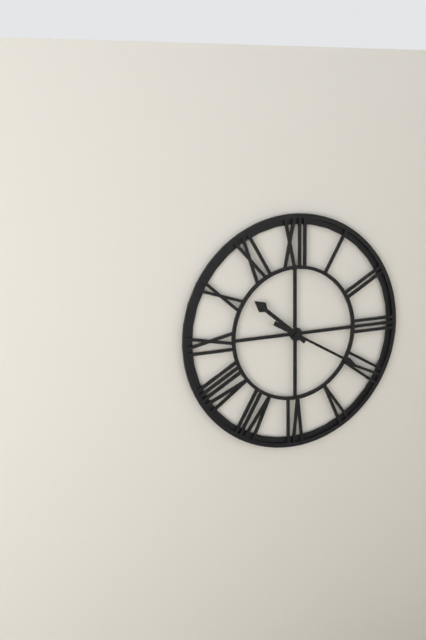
10:20
